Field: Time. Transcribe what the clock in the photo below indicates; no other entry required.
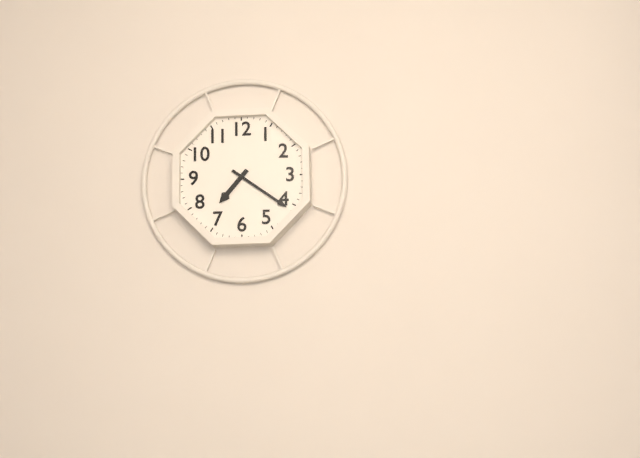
7:21
